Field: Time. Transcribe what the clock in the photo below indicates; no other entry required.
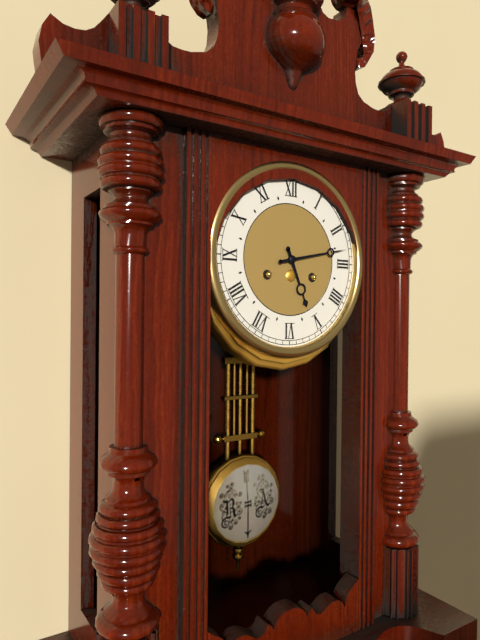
5:13
